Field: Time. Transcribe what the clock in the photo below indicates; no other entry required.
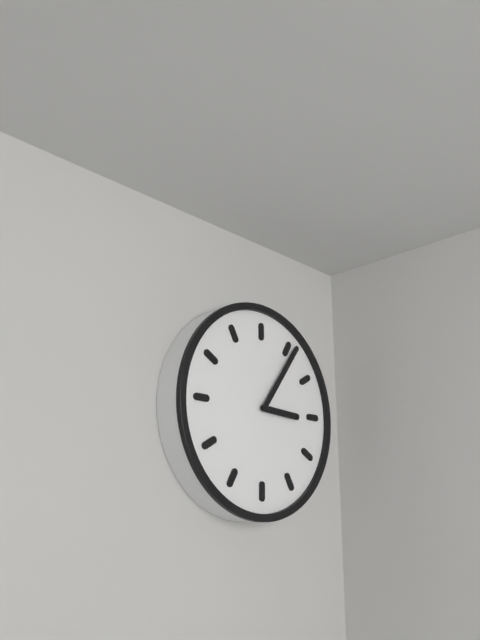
3:06
